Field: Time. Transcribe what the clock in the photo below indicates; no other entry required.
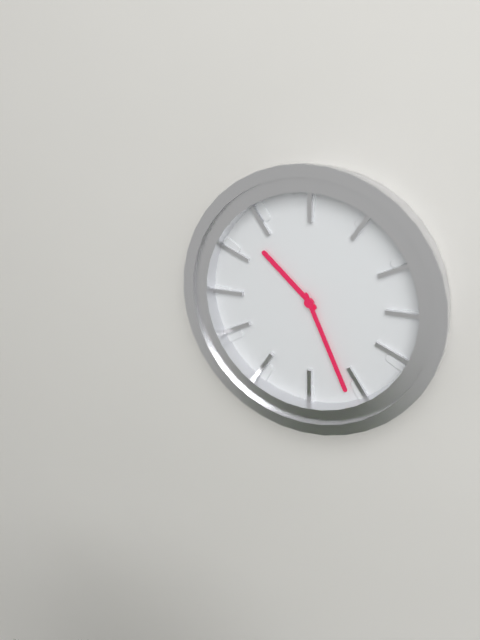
10:26
